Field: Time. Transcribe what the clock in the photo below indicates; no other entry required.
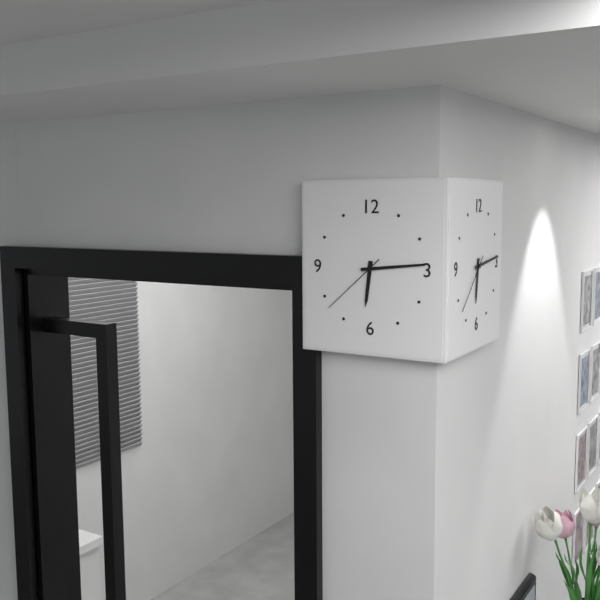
6:14:38
